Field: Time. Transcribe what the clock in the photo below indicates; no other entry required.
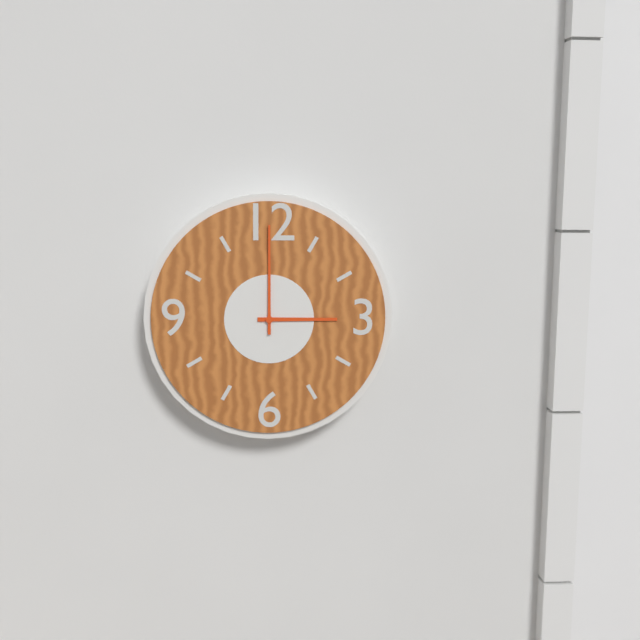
3:00
